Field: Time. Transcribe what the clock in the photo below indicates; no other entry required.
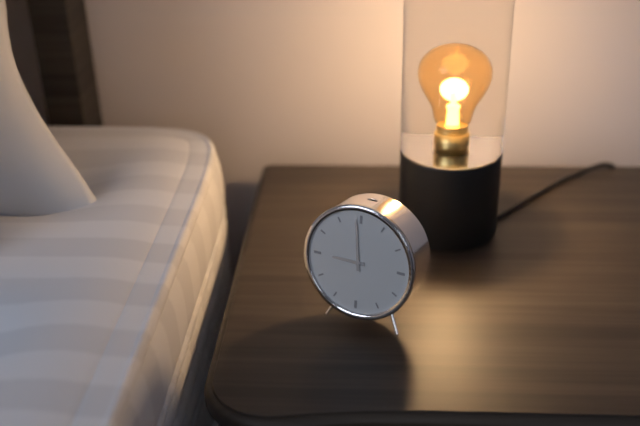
8:59
